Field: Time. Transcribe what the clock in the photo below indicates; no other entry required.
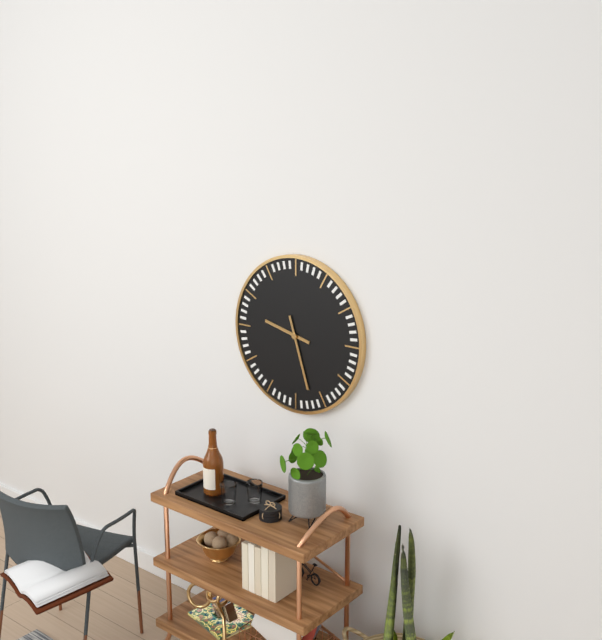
9:27
